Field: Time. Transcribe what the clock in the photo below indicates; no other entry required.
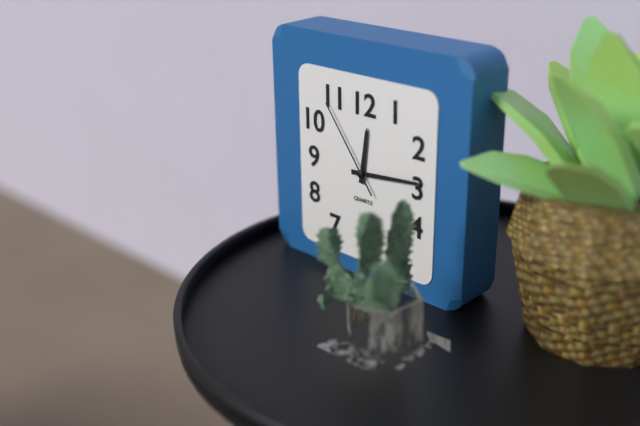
12:14:54
